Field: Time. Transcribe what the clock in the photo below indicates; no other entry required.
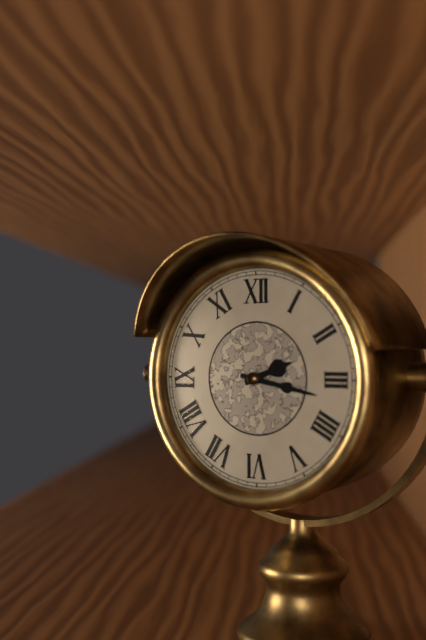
2:17
